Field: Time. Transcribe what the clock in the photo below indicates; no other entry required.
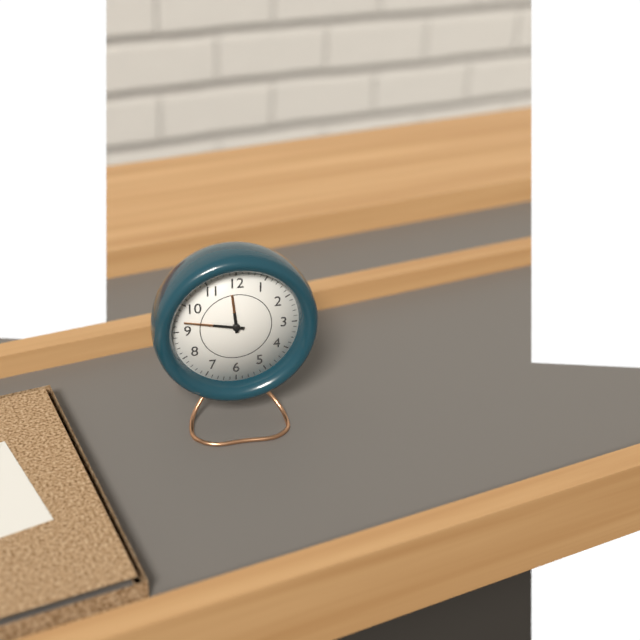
11:47
